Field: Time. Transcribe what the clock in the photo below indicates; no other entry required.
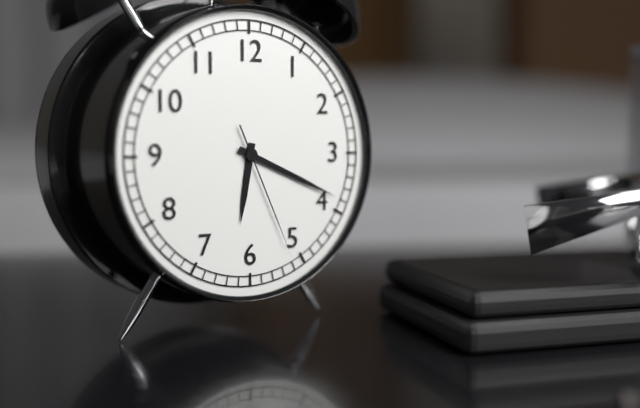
6:19:26
